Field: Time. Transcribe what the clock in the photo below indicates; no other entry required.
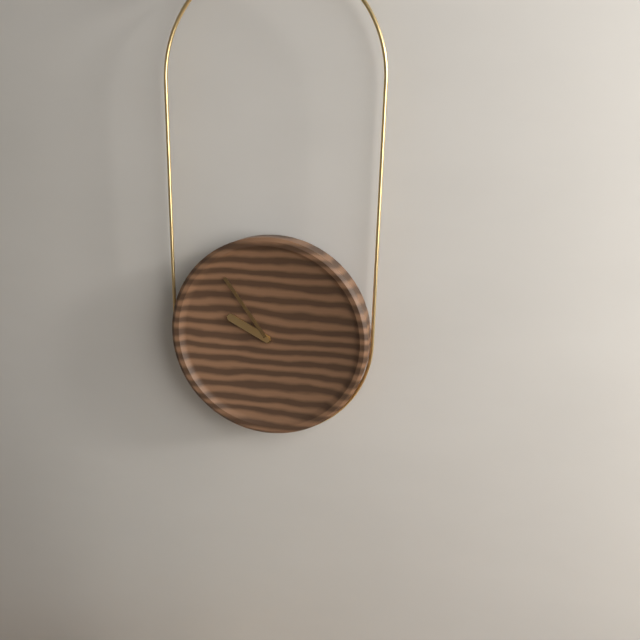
9:54
